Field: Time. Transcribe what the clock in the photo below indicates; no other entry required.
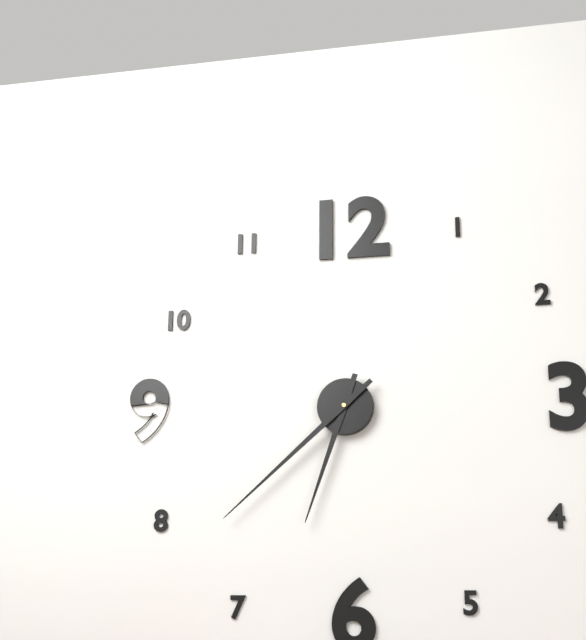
6:38
